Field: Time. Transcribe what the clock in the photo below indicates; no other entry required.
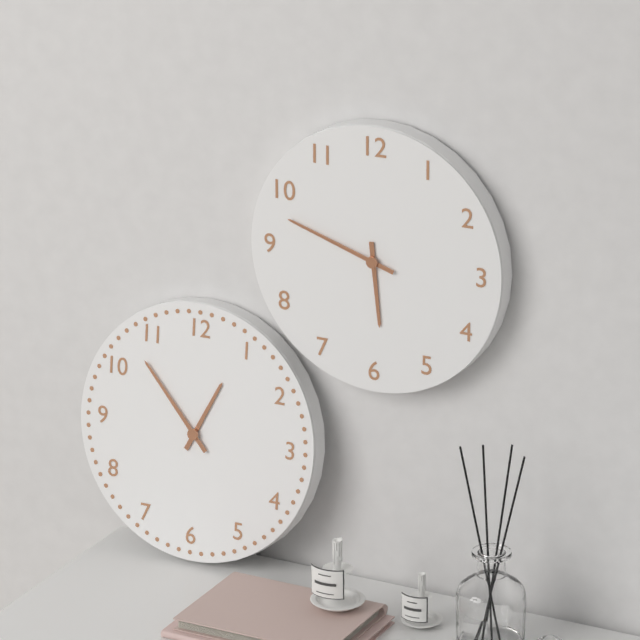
5:48
